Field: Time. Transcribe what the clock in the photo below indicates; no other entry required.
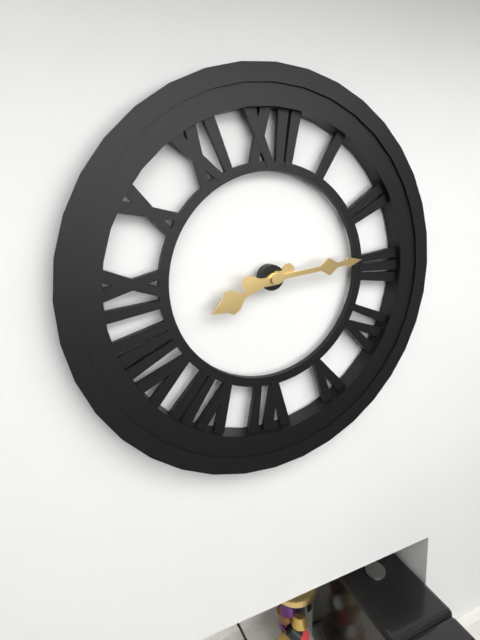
8:14
